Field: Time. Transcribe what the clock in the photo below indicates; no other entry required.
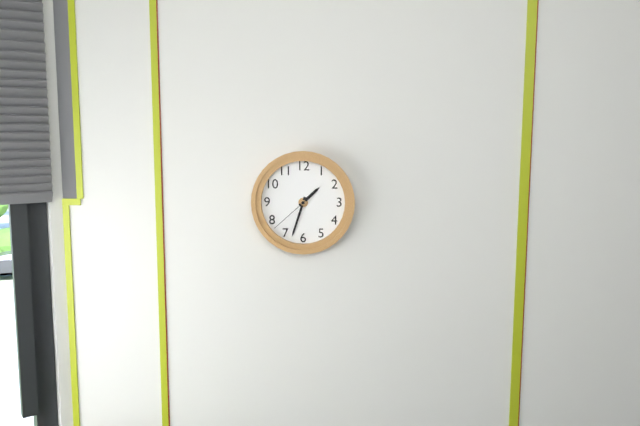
1:33
